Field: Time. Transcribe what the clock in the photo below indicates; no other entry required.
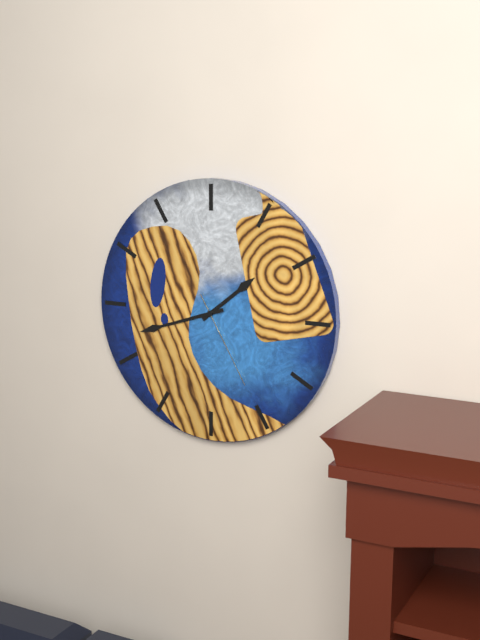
1:42:25
